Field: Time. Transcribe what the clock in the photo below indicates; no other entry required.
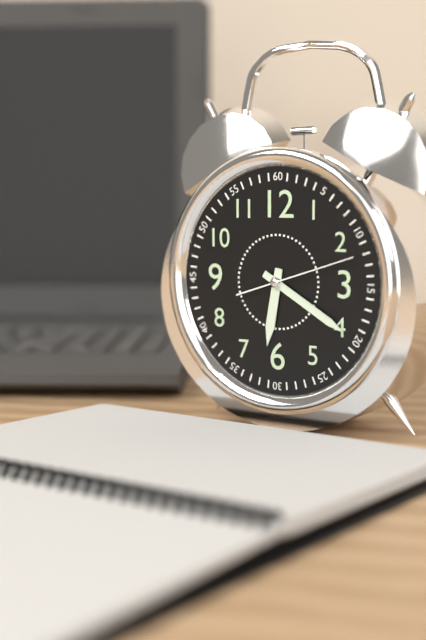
6:20:12
